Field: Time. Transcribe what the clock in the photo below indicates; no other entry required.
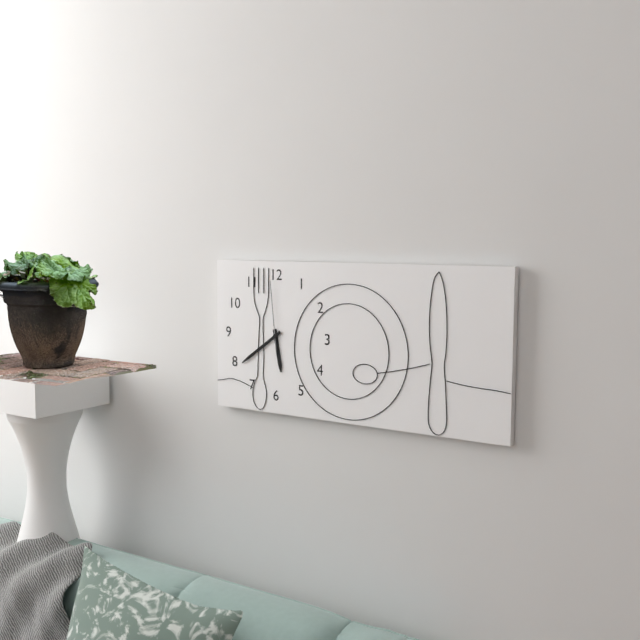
5:39:59
